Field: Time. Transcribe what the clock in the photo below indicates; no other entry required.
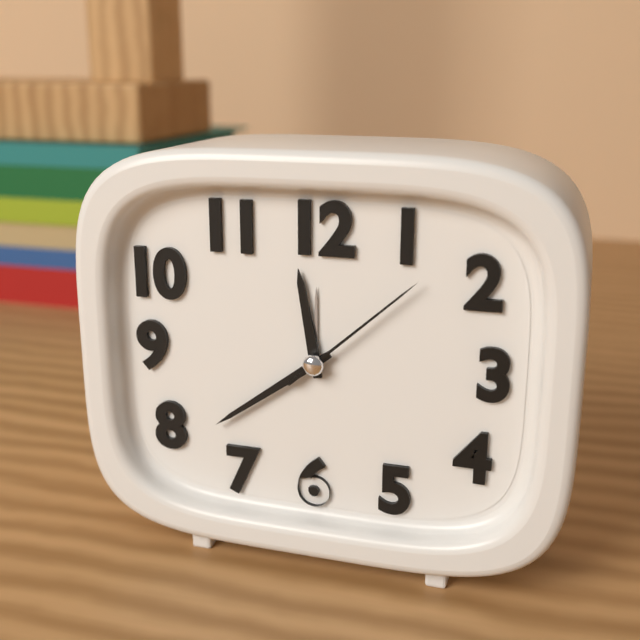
11:39:08
